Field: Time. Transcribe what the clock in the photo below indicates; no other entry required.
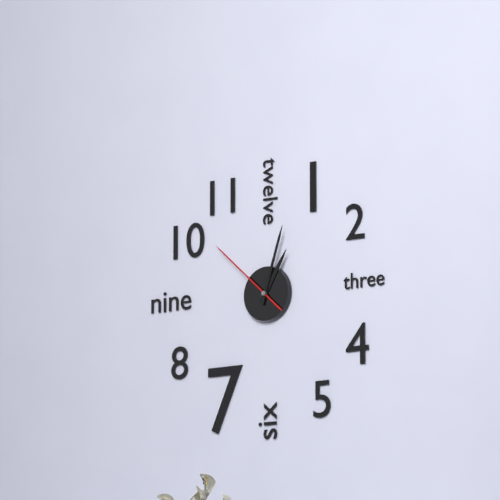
1:03:52
